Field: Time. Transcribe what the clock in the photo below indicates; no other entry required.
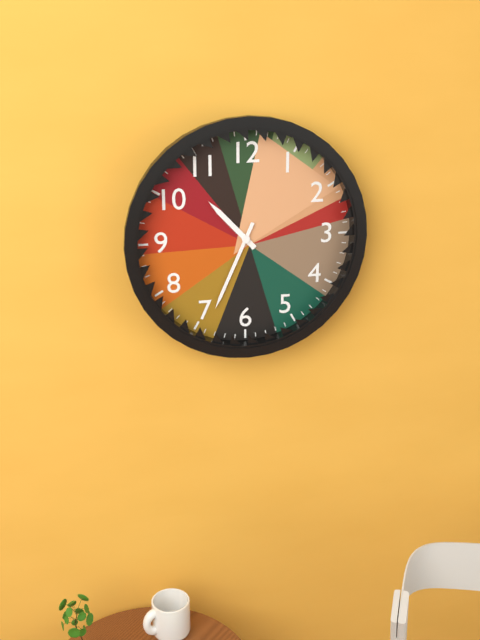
10:34
